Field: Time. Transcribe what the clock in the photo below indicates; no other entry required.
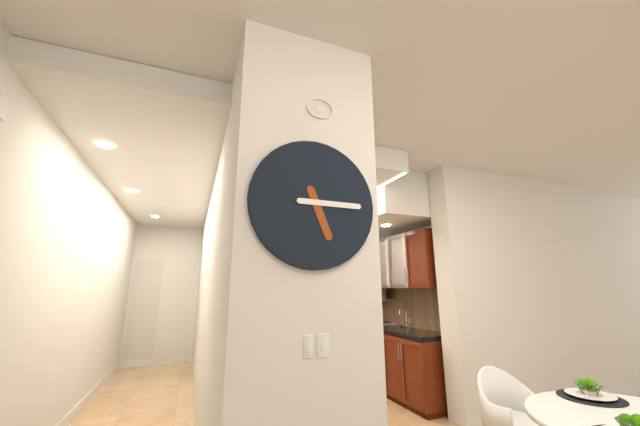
5:15
